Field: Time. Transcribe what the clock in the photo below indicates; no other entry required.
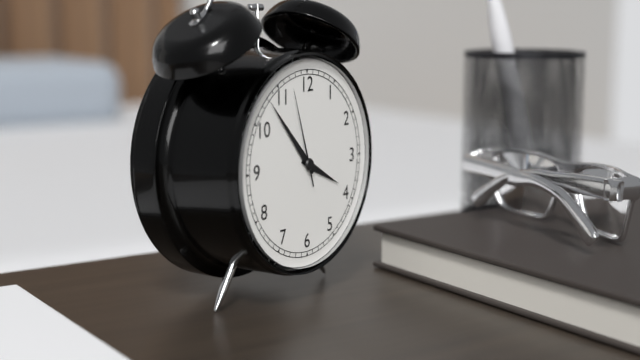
3:53:57
